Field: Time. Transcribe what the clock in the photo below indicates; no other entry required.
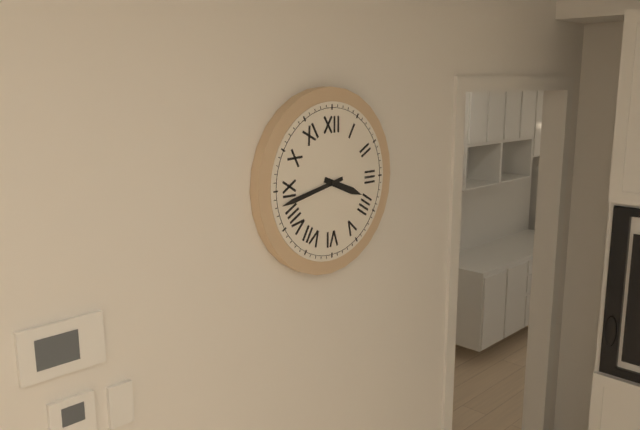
3:43
